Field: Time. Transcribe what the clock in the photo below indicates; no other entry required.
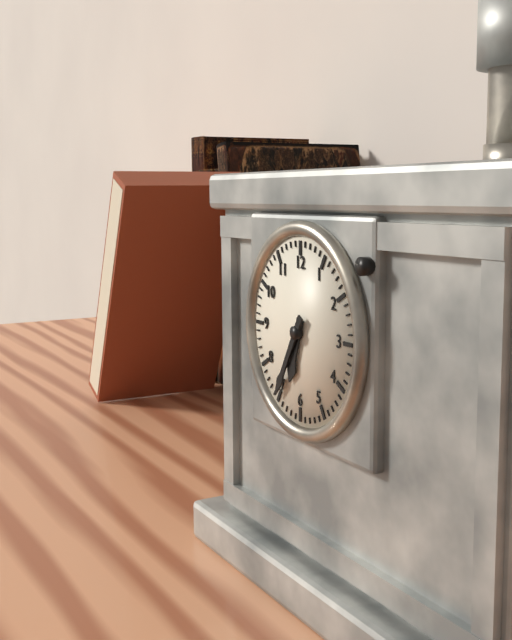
6:35
